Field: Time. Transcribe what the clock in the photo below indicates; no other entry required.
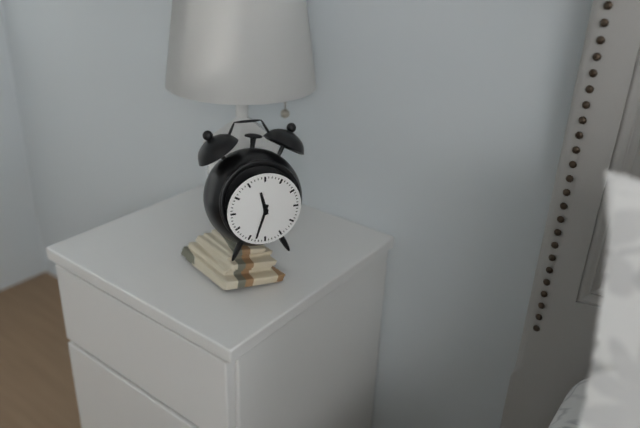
11:33
